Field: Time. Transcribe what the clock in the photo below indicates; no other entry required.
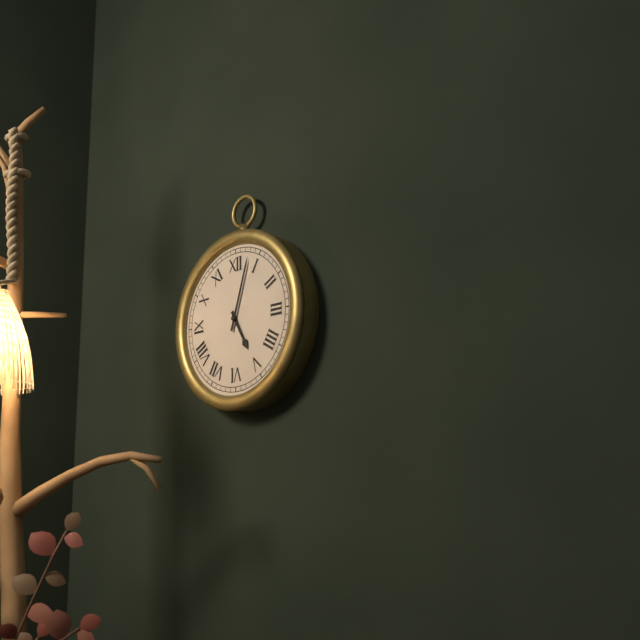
5:03
